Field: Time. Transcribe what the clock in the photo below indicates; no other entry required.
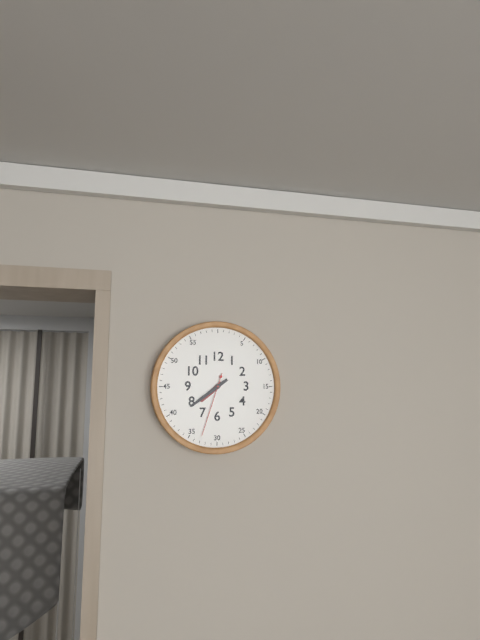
7:39:33
